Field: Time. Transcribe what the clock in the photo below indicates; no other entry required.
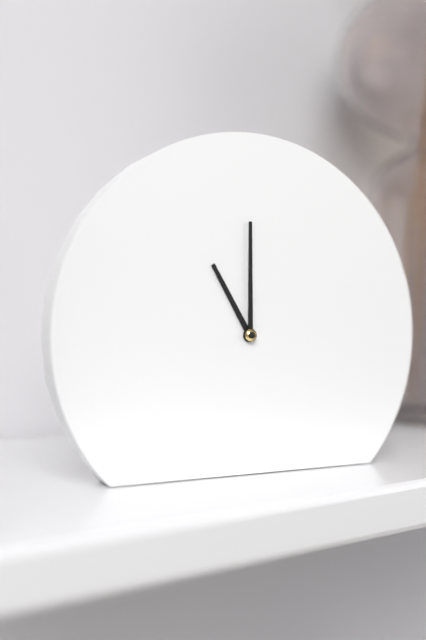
11:00
